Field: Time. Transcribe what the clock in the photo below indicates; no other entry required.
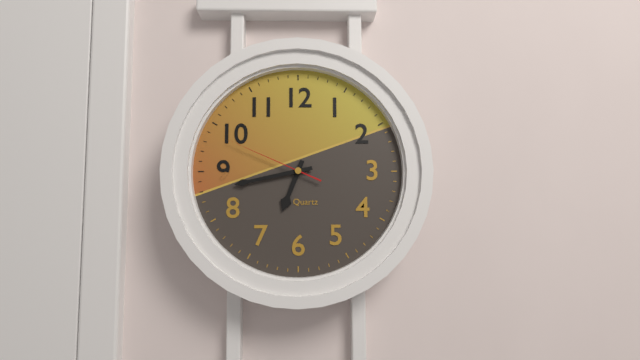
6:43:49
